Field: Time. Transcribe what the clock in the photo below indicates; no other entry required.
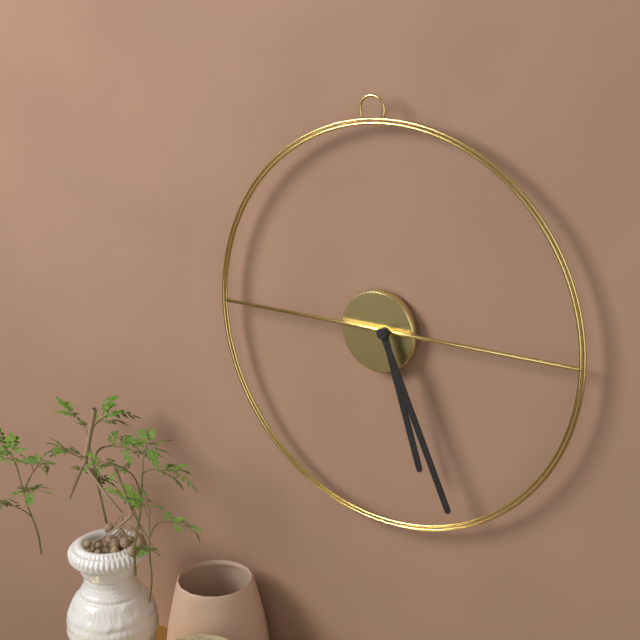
5:26
